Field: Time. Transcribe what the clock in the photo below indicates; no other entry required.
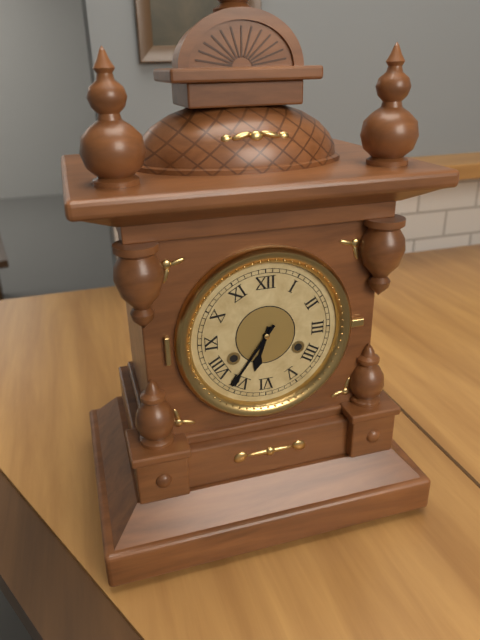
6:36
